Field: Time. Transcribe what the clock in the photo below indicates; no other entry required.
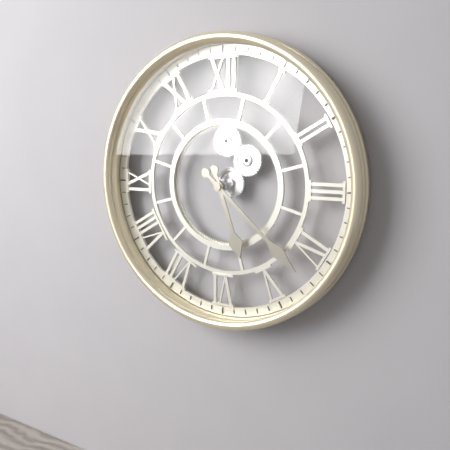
5:22
